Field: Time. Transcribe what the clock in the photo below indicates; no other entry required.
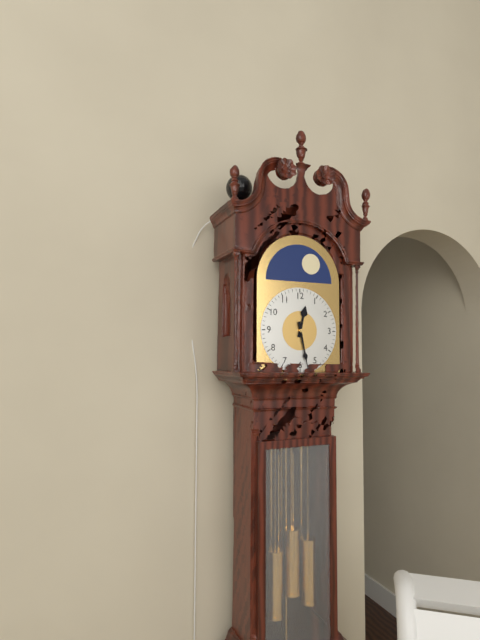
12:28
